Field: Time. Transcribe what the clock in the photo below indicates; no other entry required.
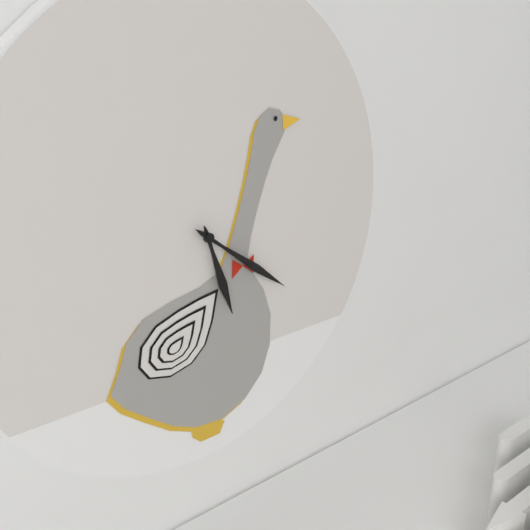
5:21
